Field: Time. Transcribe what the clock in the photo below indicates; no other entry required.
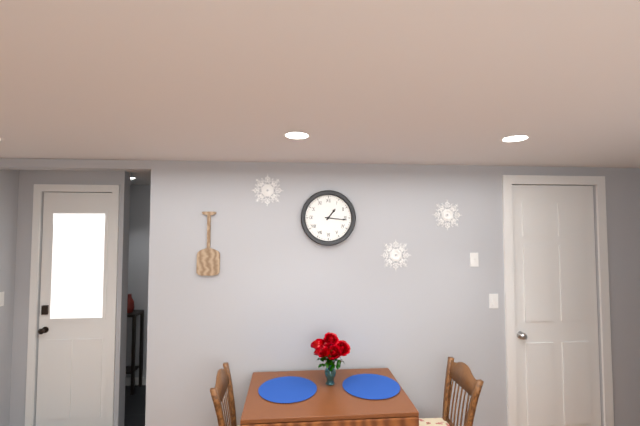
1:16
